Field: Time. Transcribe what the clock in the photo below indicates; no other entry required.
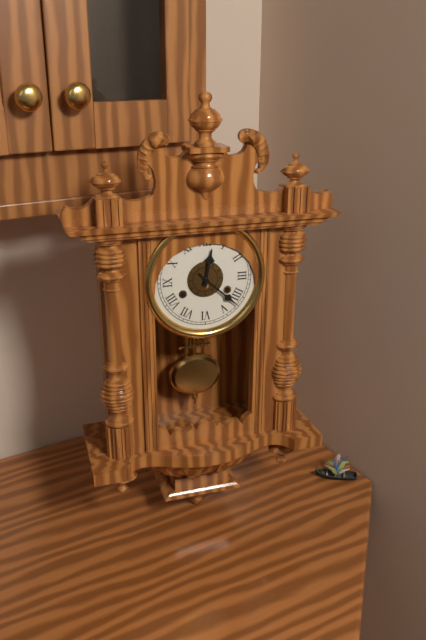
12:22
